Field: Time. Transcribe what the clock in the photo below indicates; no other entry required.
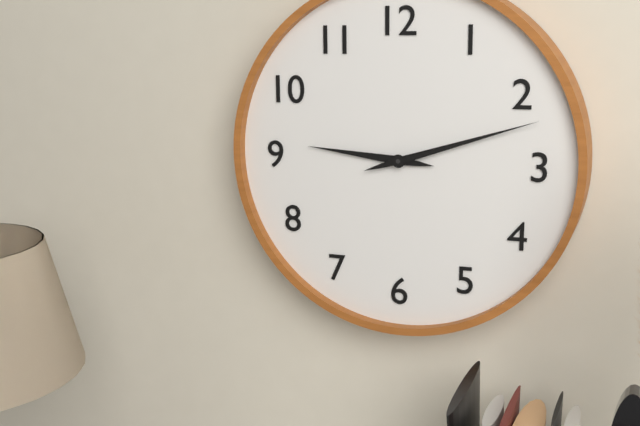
9:12
